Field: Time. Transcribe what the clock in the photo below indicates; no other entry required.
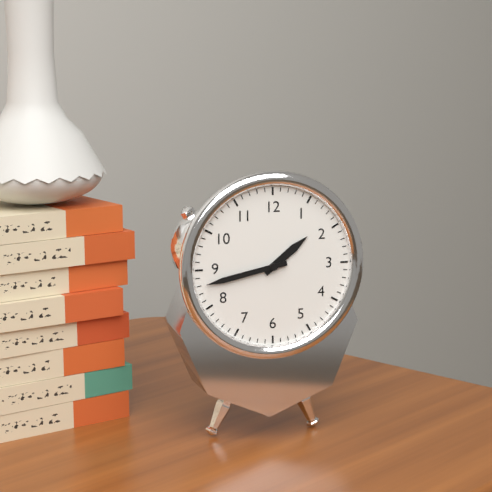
1:43
